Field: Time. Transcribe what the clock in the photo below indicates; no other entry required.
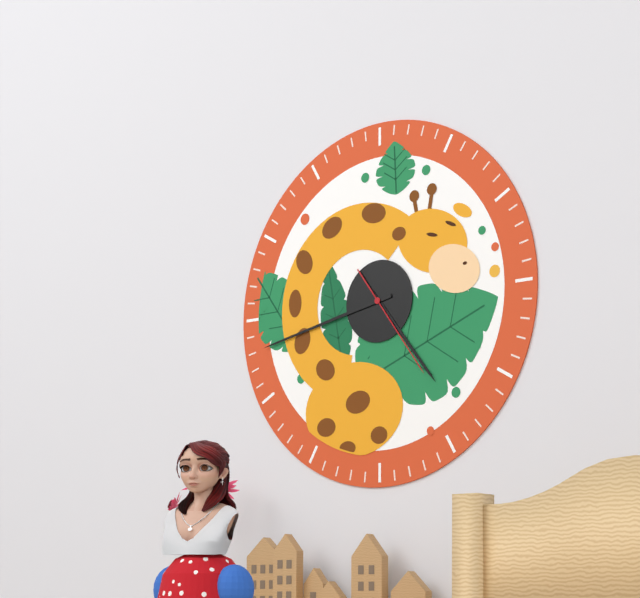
4:43:24
